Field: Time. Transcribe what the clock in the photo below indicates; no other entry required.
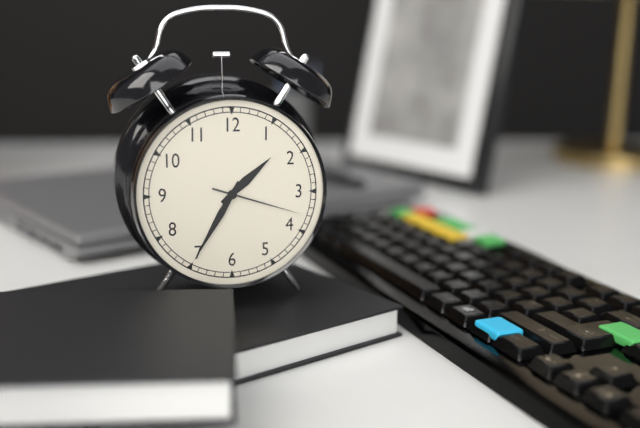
1:35:18
